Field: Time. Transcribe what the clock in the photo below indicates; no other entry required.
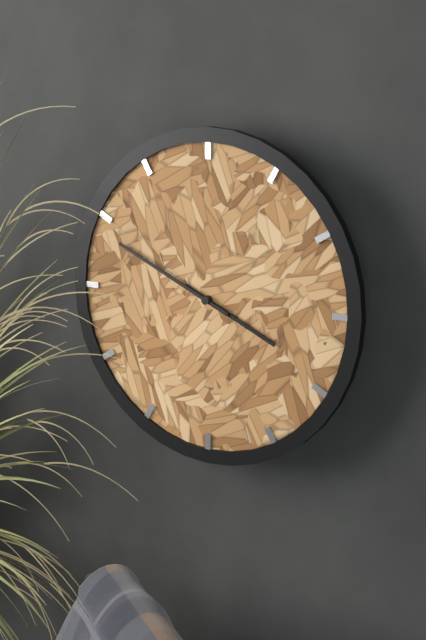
3:49
